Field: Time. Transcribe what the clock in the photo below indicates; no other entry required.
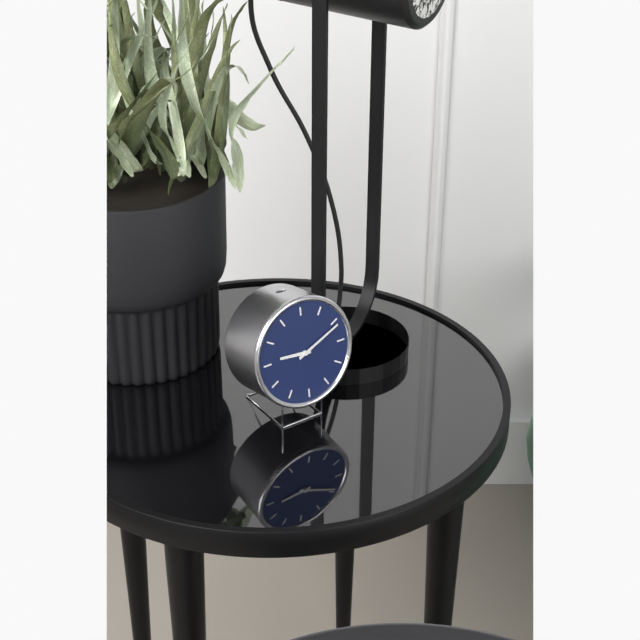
9:11
